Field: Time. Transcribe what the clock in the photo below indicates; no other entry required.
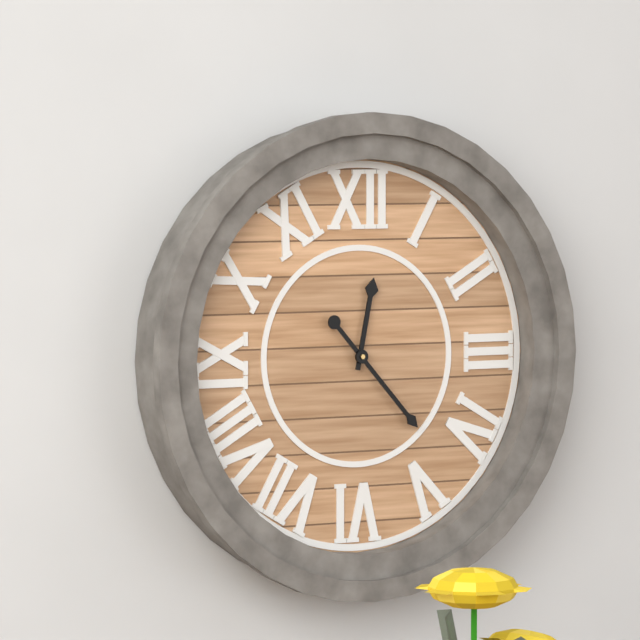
12:23
